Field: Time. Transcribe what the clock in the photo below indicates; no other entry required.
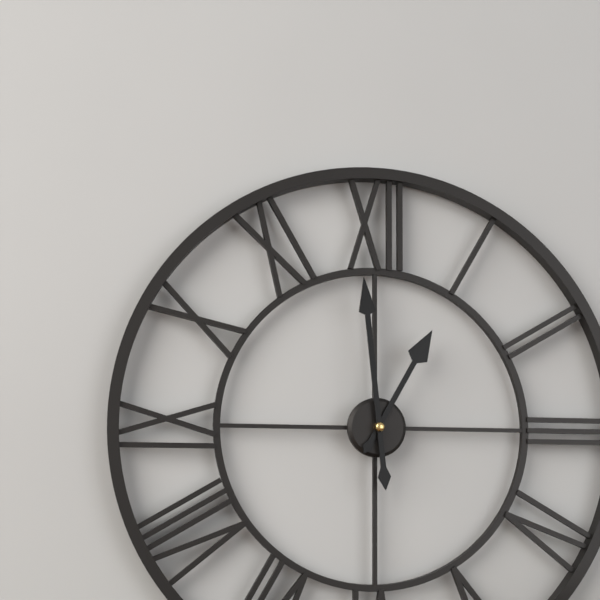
12:59
